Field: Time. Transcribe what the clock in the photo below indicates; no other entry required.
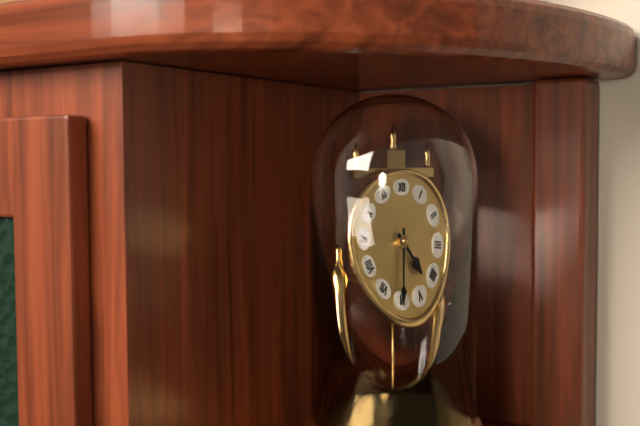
4:30
